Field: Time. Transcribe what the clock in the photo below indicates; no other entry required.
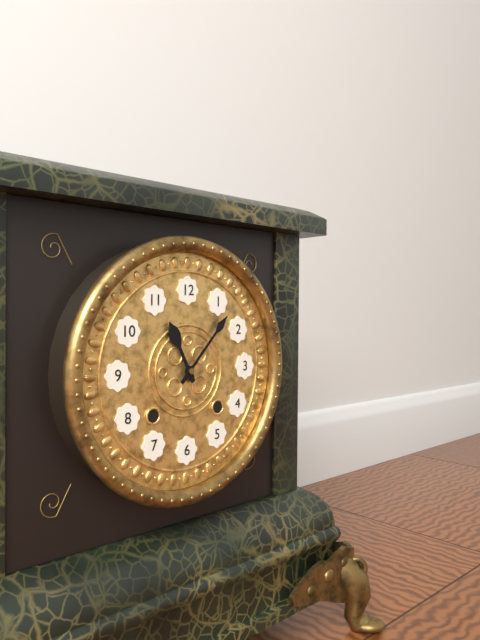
11:07
